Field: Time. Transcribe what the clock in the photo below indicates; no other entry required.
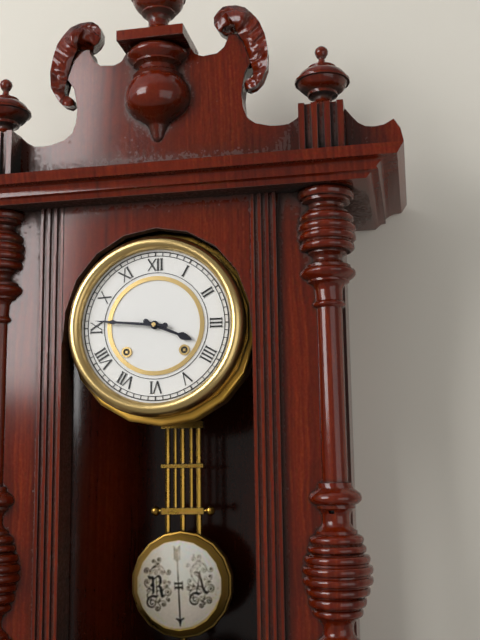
3:46
